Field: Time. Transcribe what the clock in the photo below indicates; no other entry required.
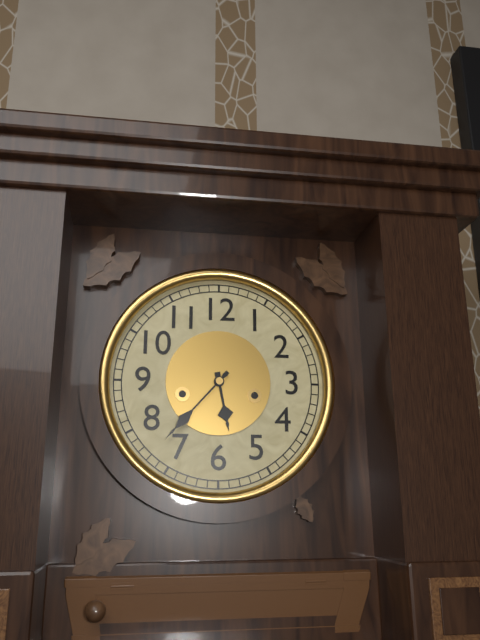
5:37
